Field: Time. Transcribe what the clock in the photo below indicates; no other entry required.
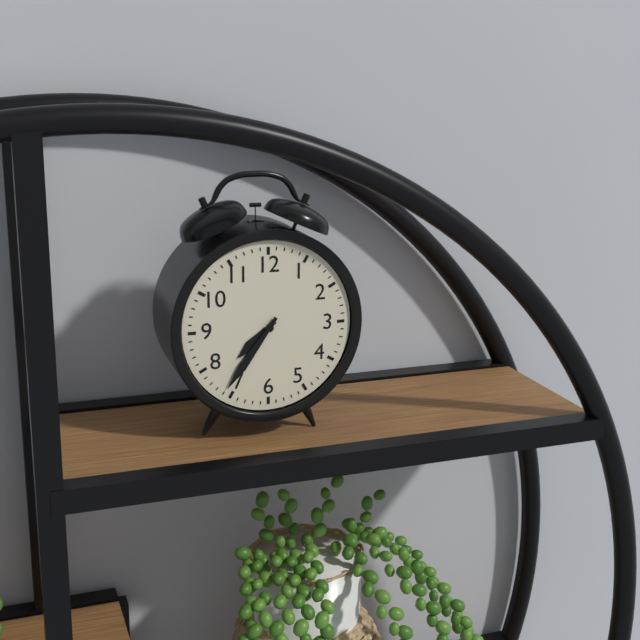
7:36
